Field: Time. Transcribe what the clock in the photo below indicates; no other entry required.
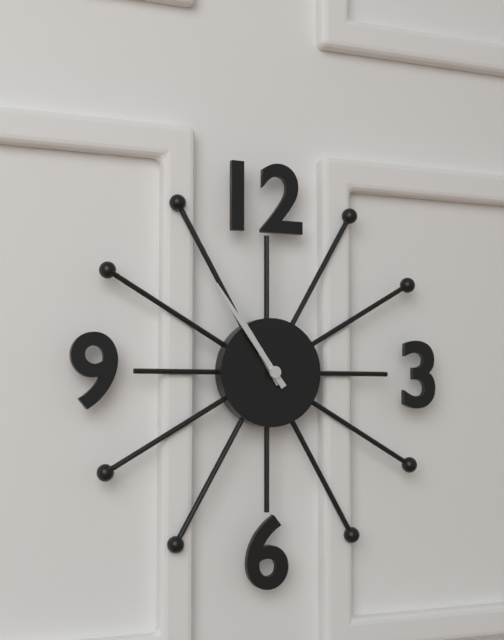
10:54
